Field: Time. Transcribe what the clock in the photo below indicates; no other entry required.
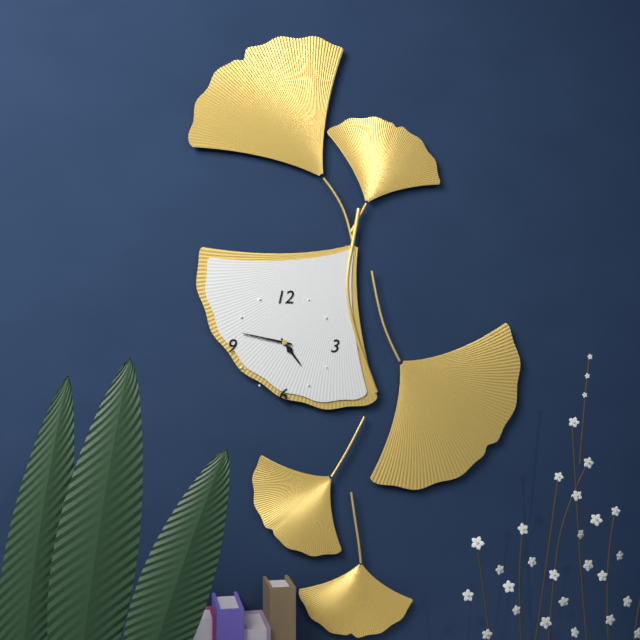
4:47
